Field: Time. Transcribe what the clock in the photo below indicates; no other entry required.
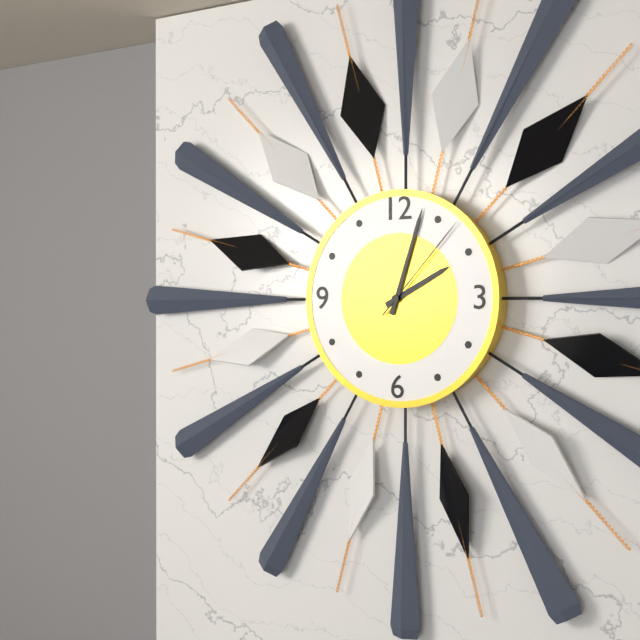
2:03:07
